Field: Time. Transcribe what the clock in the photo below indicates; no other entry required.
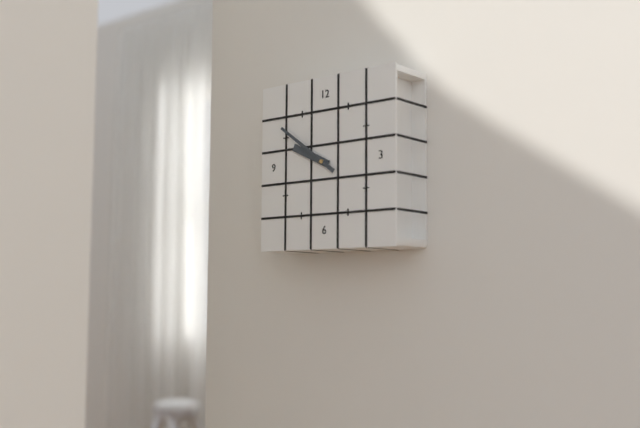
9:51
